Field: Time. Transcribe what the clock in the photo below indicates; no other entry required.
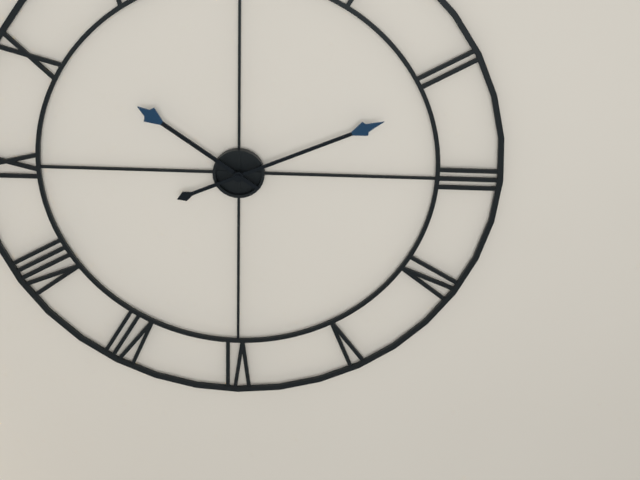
10:11
